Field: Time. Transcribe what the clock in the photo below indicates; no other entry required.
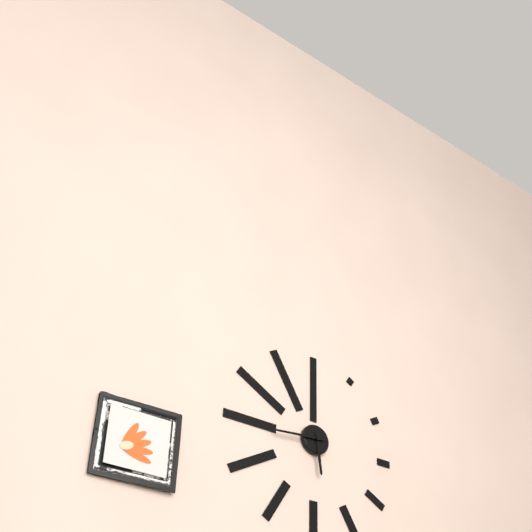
5:44
